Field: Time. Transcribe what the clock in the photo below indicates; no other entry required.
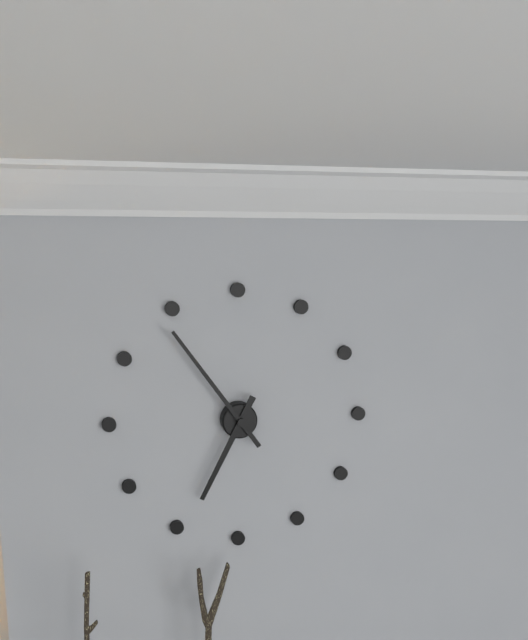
6:54
